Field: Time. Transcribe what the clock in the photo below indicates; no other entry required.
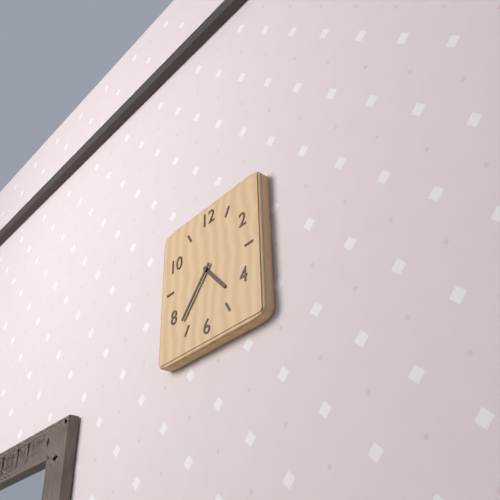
4:37
